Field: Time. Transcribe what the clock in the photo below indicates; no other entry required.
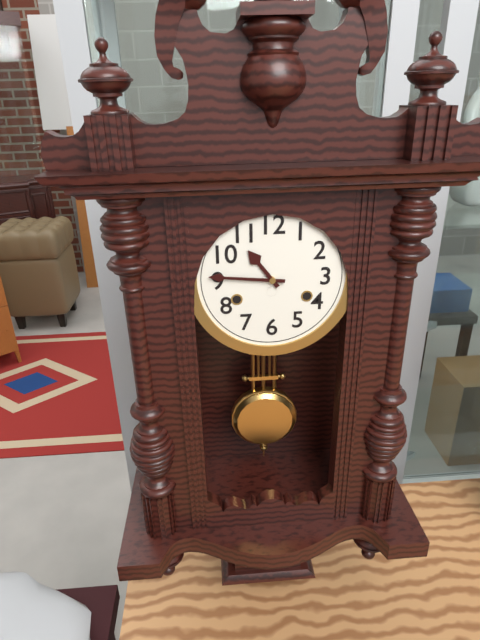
10:46
